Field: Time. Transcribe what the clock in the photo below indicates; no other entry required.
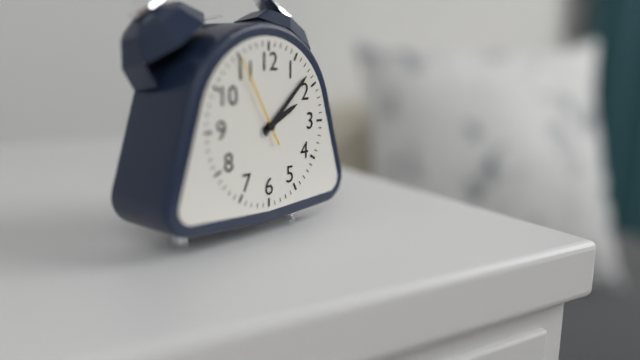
2:08:55
